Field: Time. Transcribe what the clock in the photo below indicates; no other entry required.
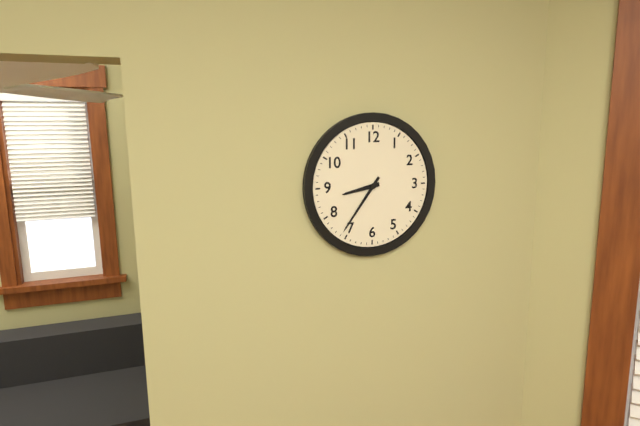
8:36
